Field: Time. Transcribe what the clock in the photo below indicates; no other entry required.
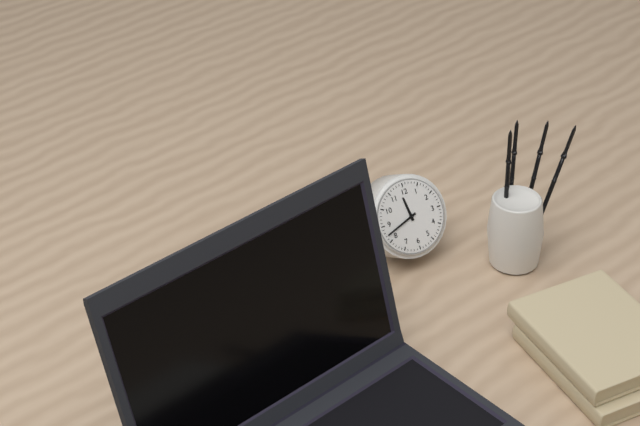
11:42
